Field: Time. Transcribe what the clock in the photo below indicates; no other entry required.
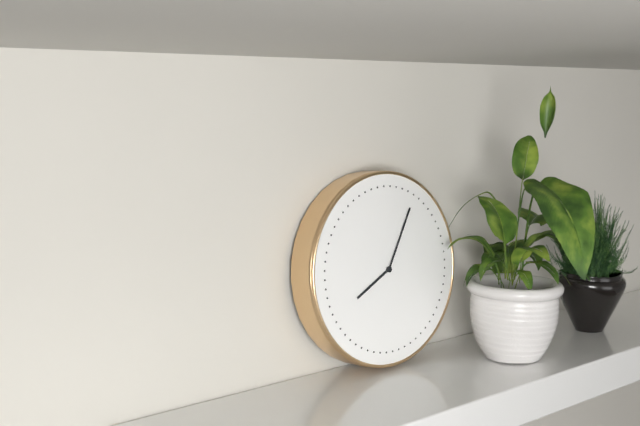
8:05
